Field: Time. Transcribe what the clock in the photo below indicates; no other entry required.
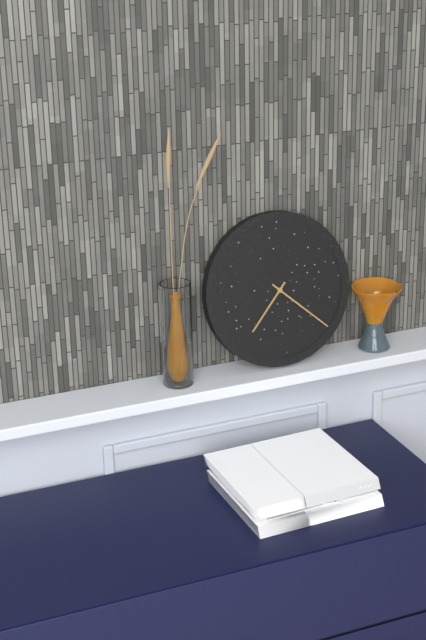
7:22
